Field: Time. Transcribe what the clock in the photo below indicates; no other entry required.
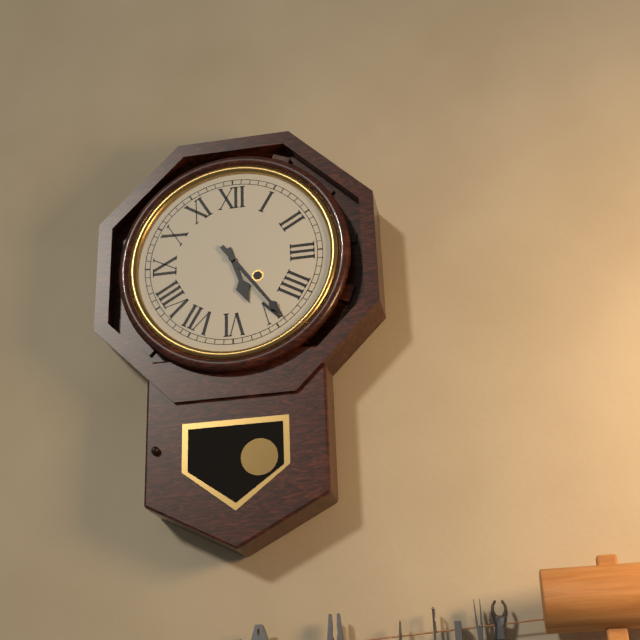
5:24
